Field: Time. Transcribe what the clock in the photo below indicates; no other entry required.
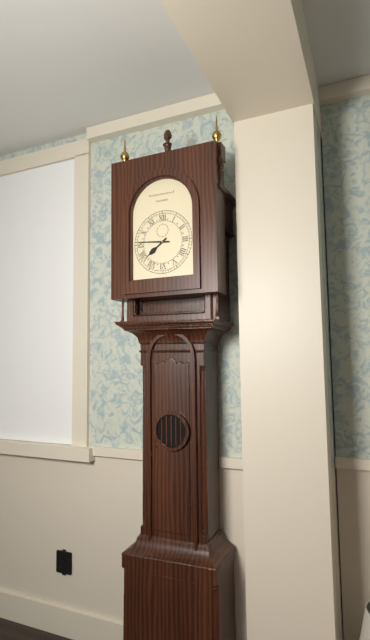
7:46
